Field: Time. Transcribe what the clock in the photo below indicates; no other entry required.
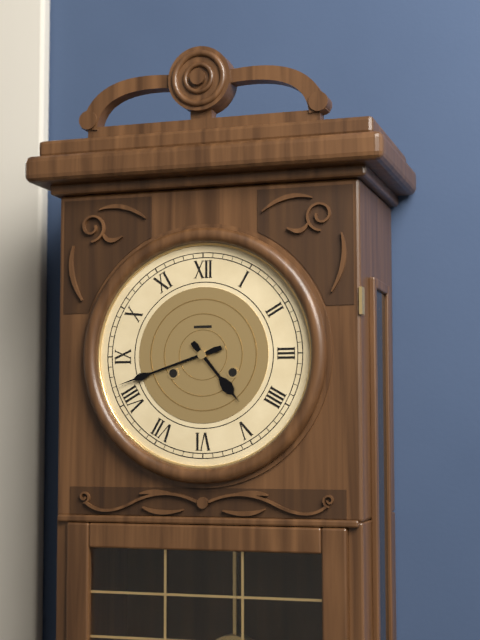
4:42
